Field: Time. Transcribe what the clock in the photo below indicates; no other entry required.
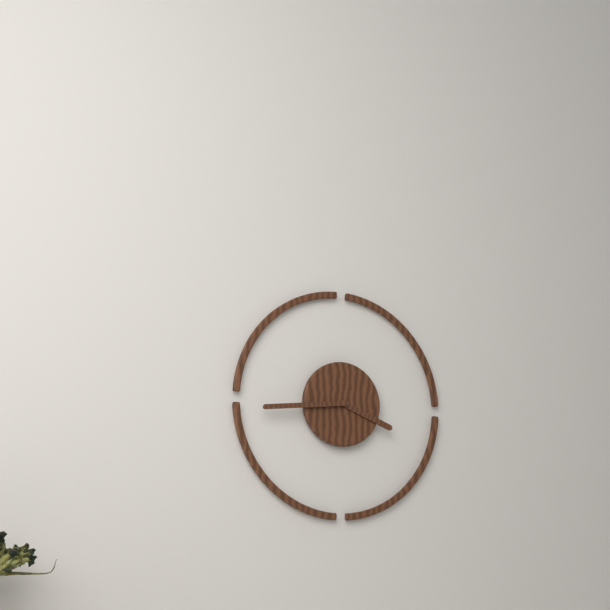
3:44
